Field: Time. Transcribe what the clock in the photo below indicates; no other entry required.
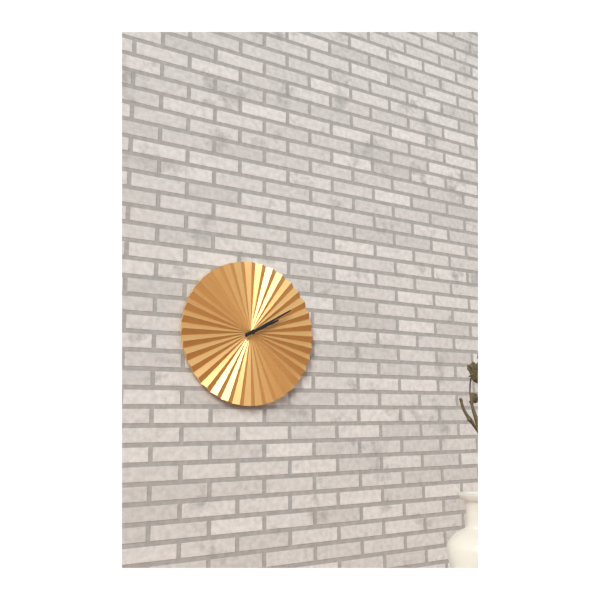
2:10
